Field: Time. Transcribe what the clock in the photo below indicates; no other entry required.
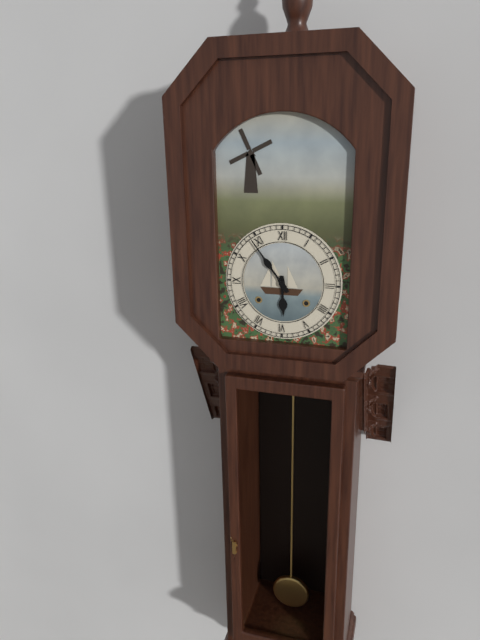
5:54
